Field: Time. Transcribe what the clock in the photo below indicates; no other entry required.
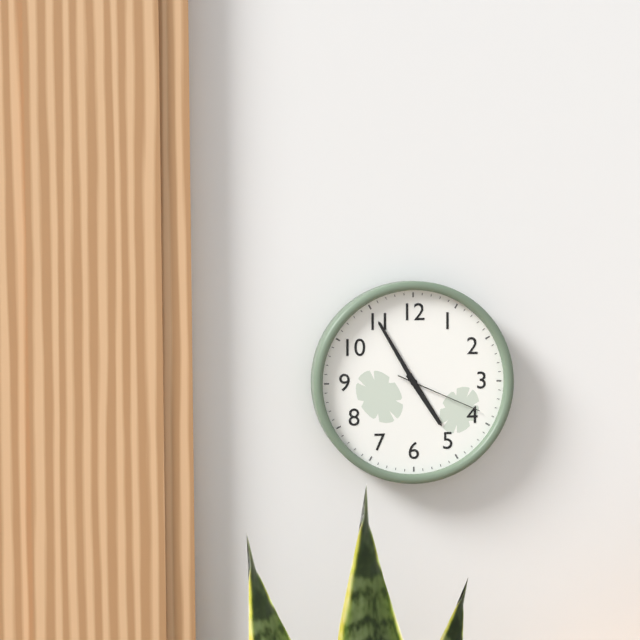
4:55:19
